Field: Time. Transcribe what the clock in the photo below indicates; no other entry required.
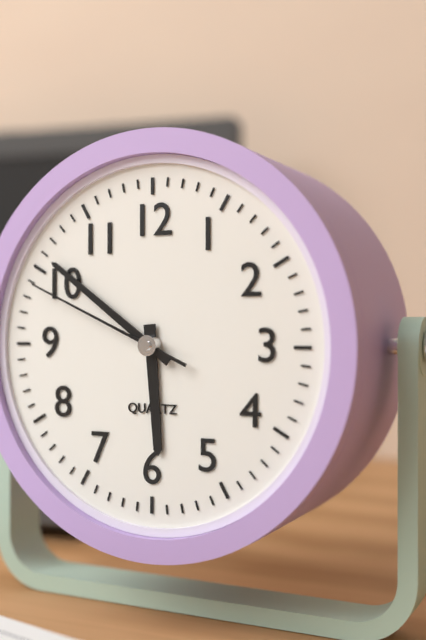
5:51:49
